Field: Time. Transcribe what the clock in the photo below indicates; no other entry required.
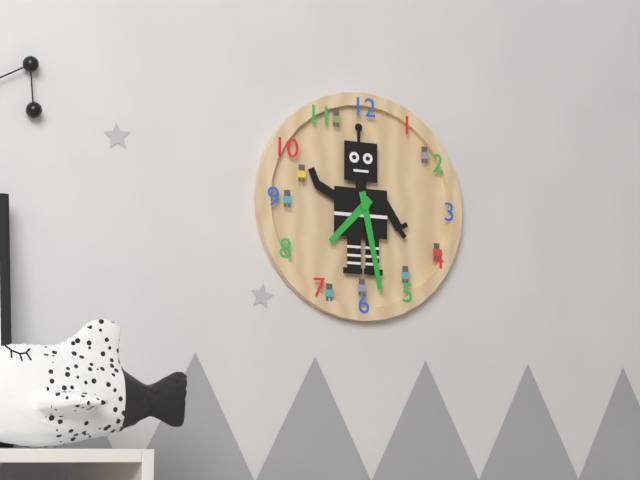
7:28
